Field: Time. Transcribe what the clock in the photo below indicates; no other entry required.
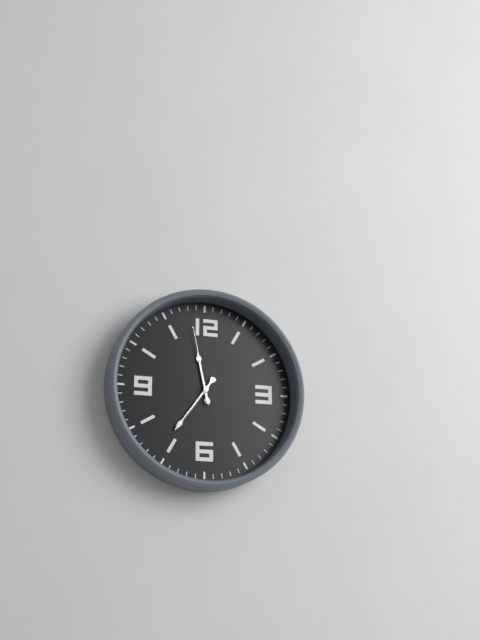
11:36:58
